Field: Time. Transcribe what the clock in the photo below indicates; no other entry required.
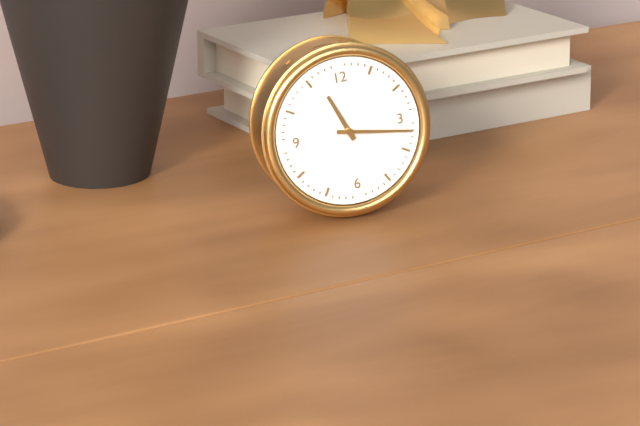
11:17
